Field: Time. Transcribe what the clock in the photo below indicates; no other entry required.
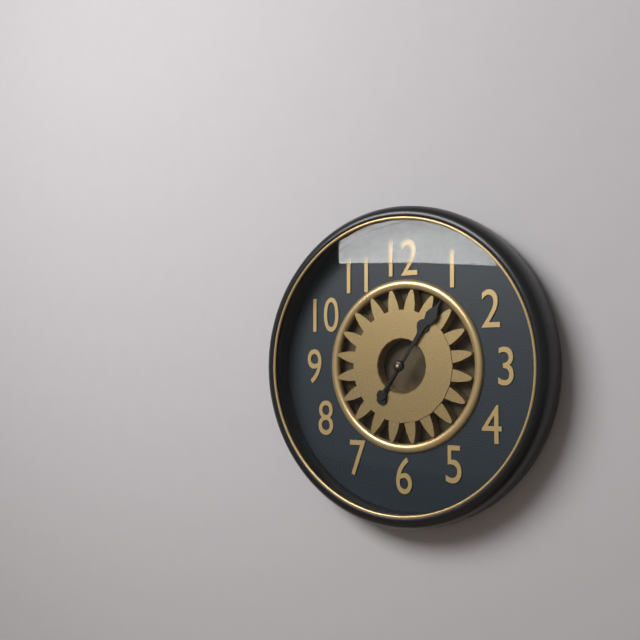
1:06
